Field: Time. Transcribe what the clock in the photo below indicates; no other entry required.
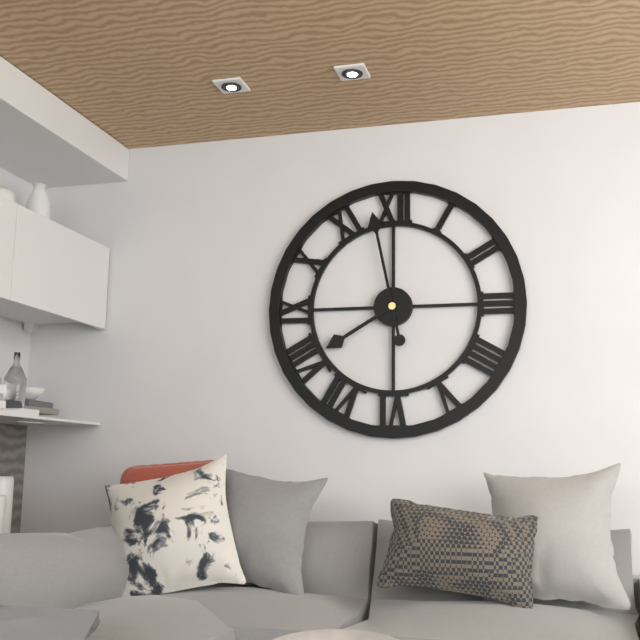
7:58
